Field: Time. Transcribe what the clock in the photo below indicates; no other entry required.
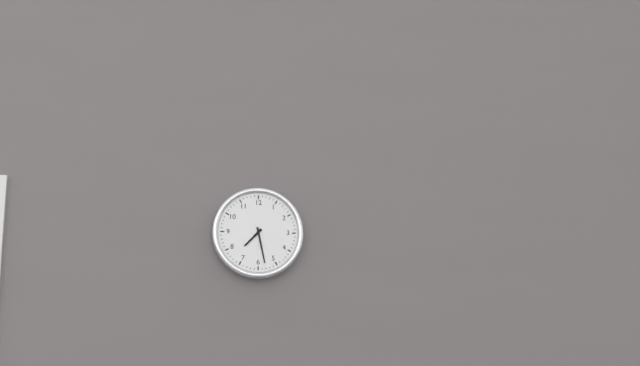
7:28
